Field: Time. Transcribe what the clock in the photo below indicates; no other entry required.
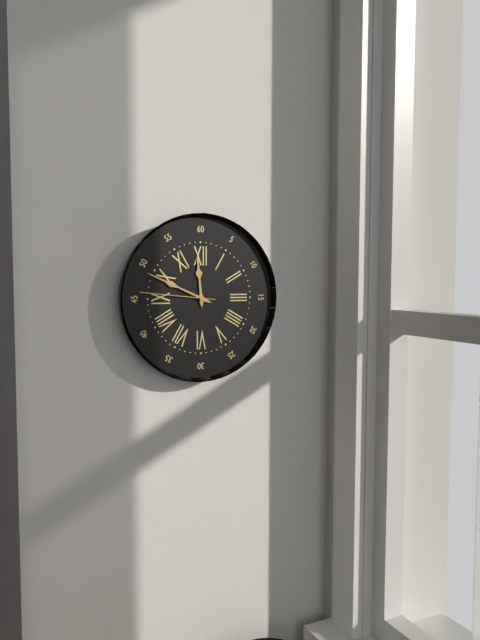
11:49:46
